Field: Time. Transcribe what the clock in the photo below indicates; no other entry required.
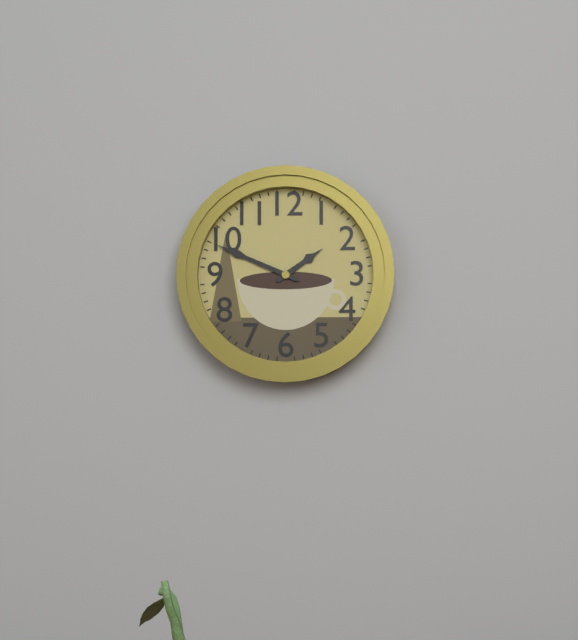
1:49
